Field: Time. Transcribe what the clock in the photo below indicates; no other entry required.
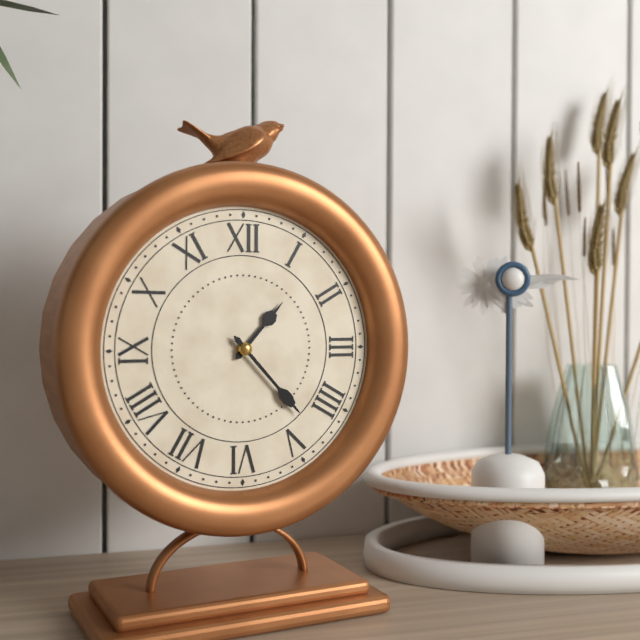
1:23
